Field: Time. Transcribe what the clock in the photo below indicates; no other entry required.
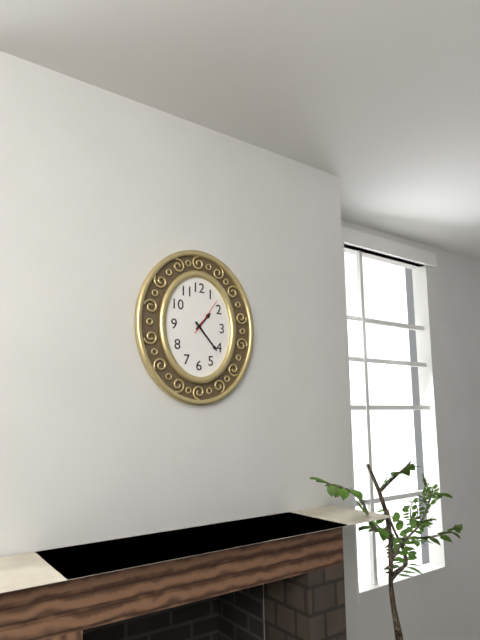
1:23
